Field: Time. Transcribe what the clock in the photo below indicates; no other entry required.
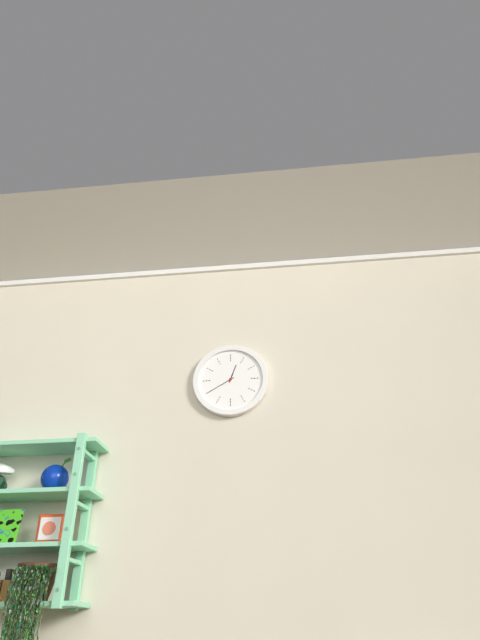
12:40
